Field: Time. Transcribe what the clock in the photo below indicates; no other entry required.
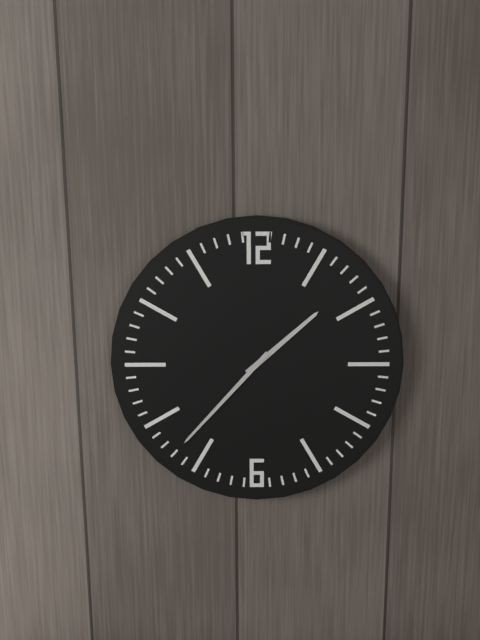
1:37
